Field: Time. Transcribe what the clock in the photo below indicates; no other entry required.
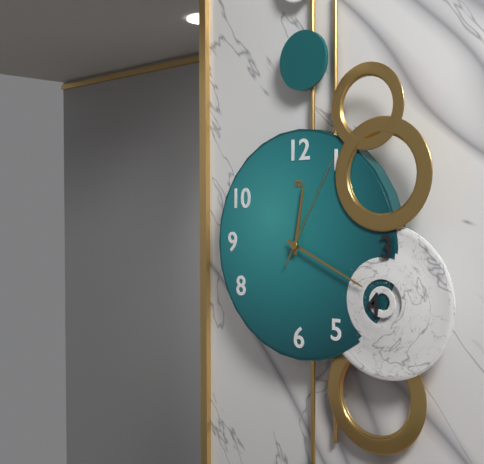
12:19:05
